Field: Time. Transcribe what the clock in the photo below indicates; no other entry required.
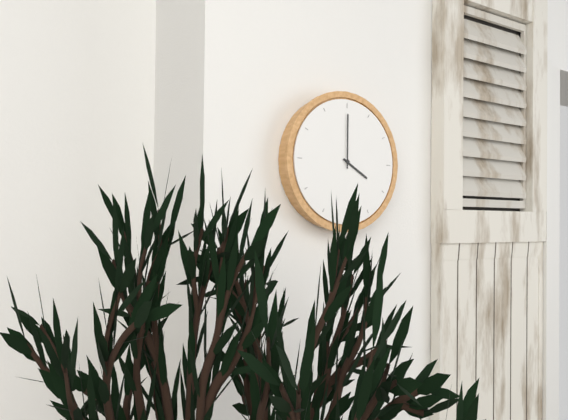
4:00
